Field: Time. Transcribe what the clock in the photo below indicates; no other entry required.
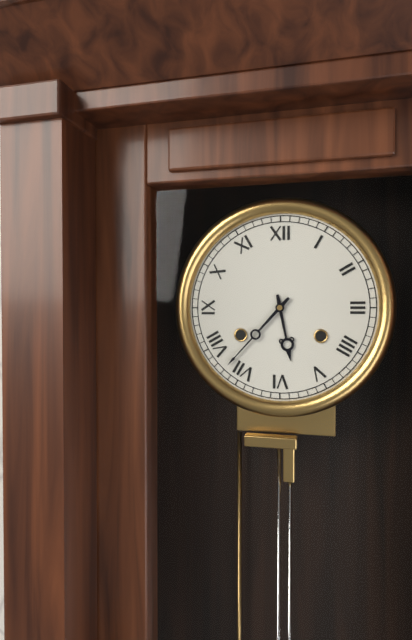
5:37
